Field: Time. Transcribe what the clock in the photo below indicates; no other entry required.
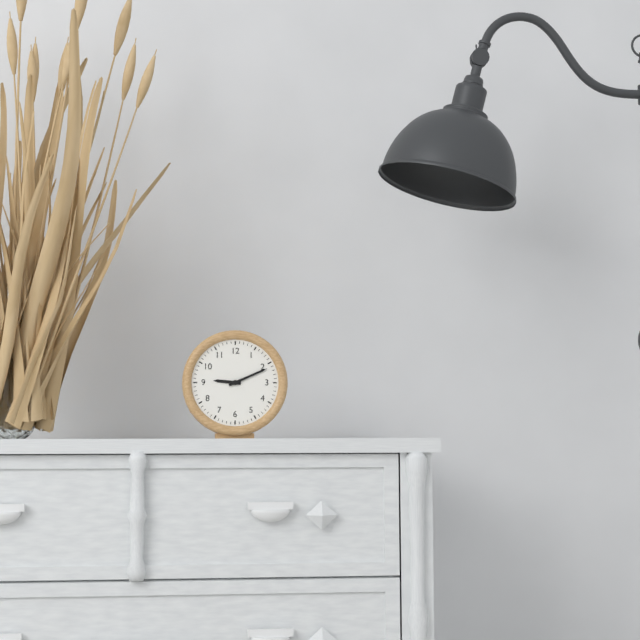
9:11
